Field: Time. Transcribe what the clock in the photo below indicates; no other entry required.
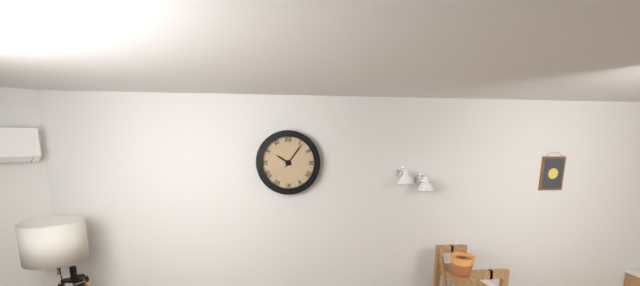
10:06
